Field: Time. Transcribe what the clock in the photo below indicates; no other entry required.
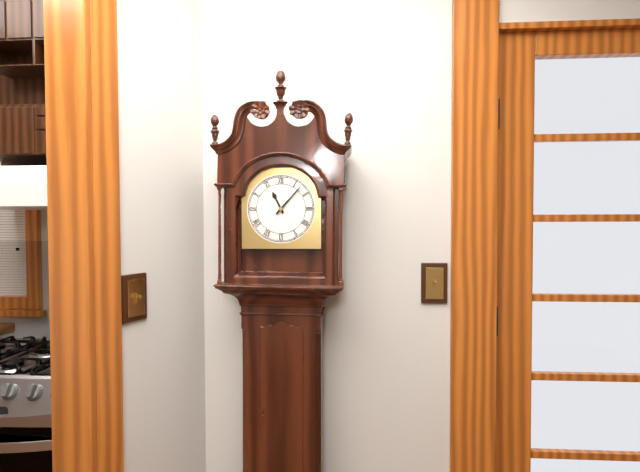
11:07
